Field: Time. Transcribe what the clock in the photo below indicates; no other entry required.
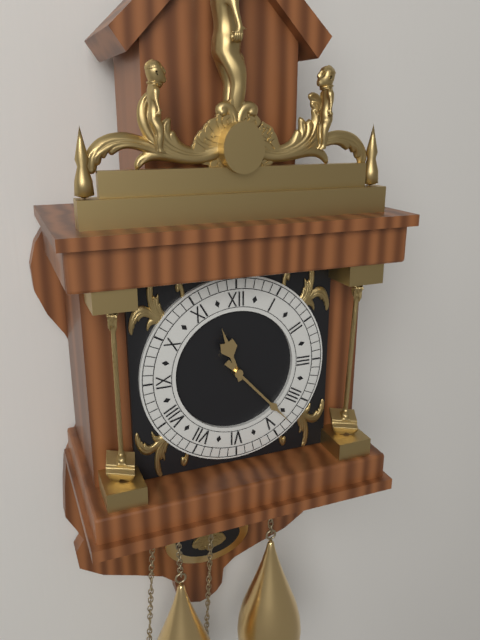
11:23
